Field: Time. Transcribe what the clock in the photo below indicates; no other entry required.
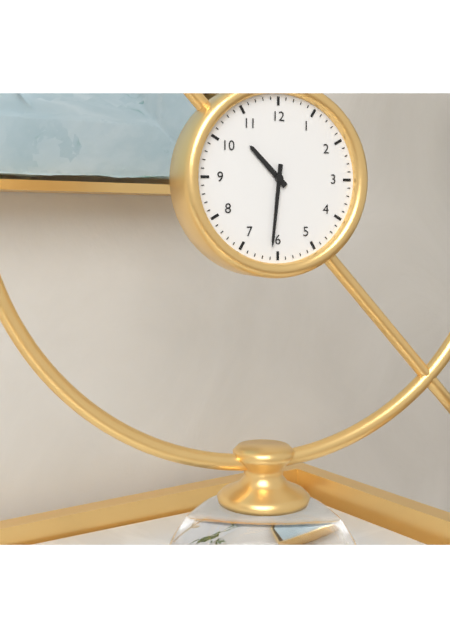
10:31
